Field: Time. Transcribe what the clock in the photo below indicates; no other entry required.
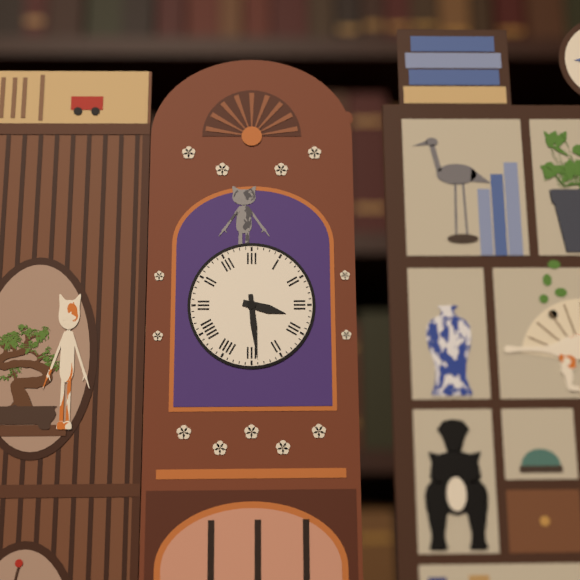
3:29
